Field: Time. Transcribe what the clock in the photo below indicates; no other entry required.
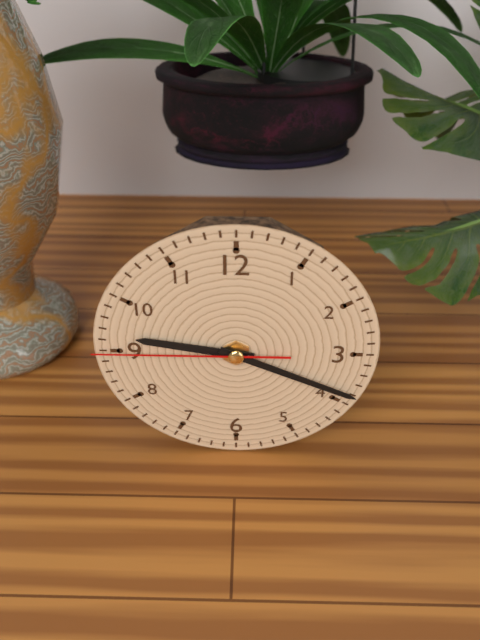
9:19:45
